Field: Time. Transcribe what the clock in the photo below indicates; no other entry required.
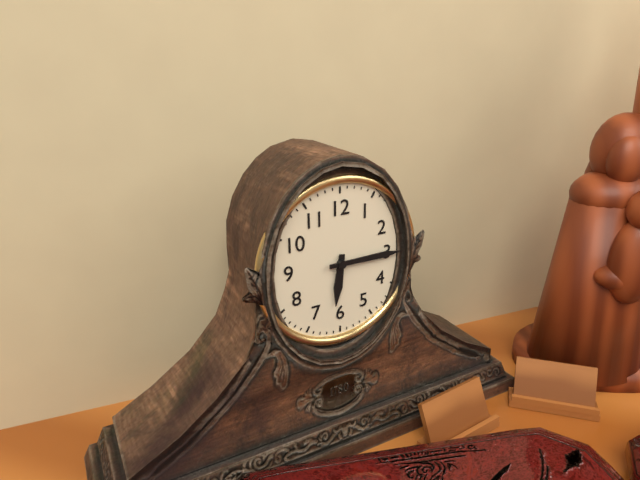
6:15
